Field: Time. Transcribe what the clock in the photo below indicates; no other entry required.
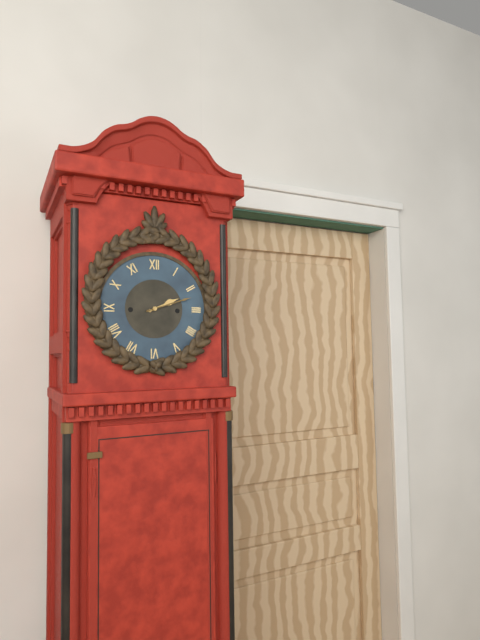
2:12
